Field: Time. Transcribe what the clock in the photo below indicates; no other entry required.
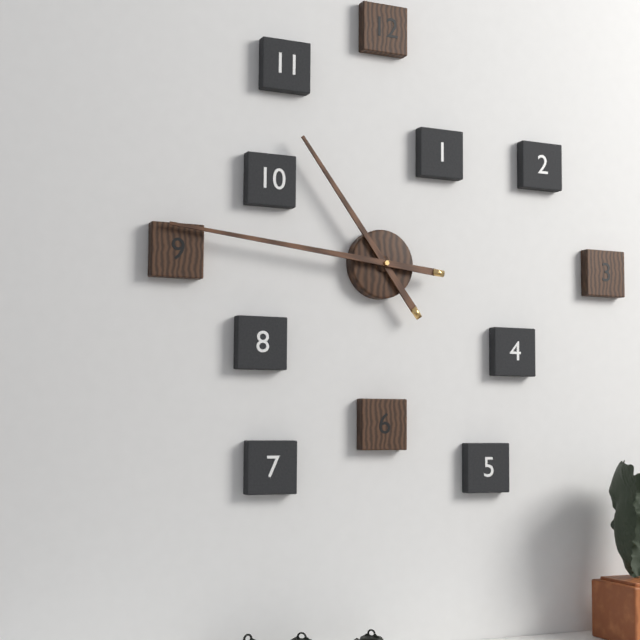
10:46
